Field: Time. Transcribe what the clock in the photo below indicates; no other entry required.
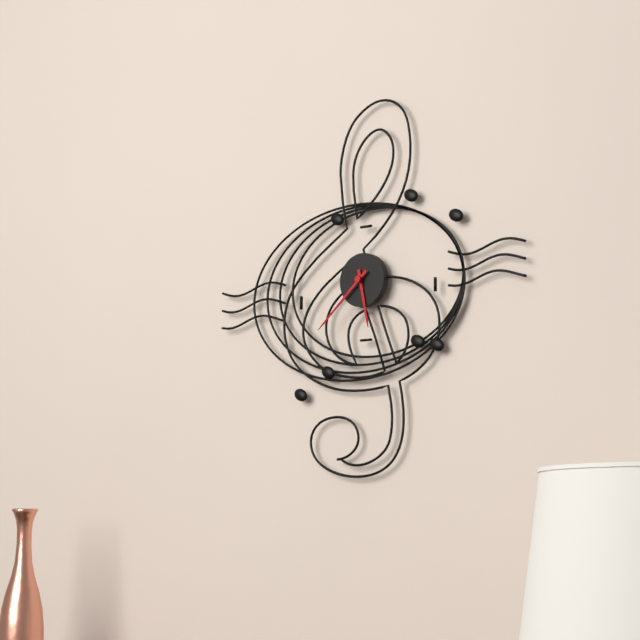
5:38
